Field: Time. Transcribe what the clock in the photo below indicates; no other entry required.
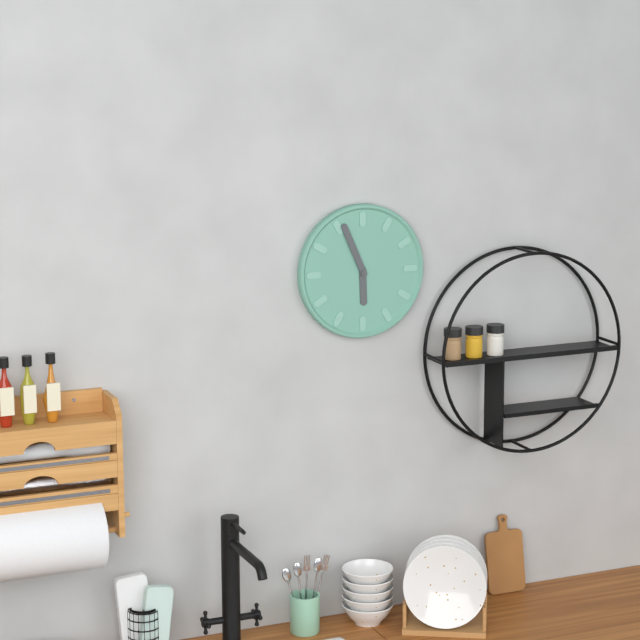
5:56
